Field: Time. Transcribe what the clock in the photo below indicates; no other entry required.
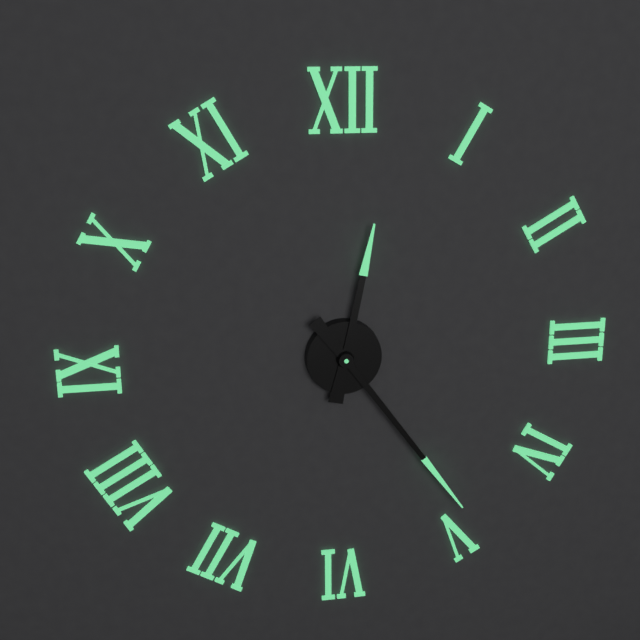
12:24
